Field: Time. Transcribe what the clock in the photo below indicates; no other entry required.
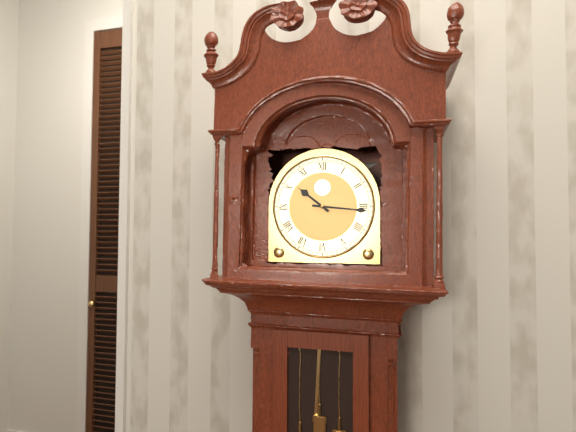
10:16
